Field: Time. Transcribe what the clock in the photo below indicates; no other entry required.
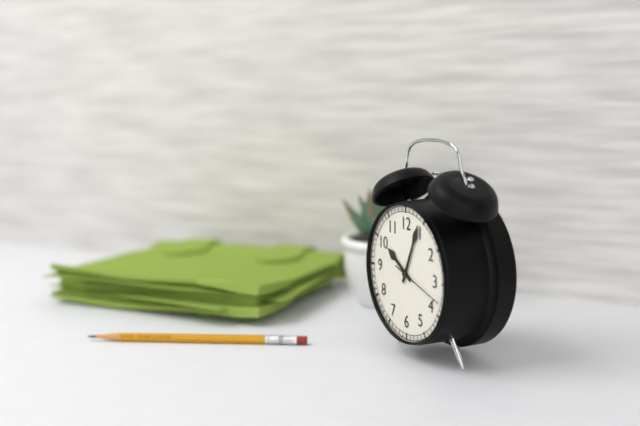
10:04:18
